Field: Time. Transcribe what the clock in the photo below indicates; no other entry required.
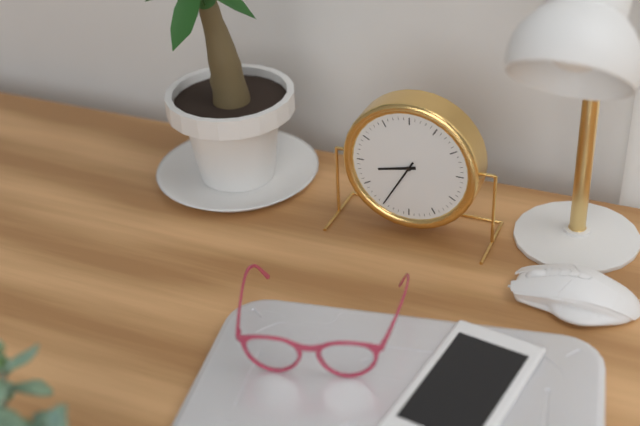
8:35
